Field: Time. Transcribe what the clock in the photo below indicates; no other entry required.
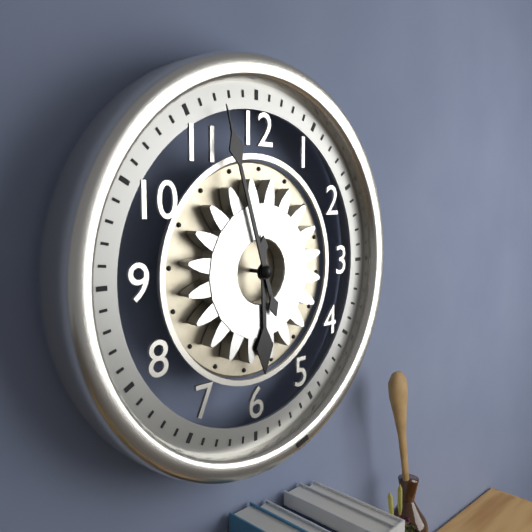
5:57
